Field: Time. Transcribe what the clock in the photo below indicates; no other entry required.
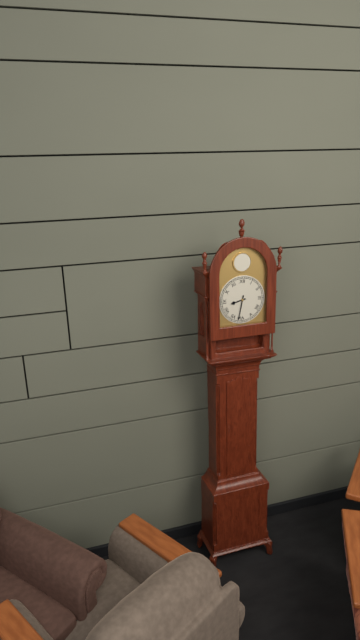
8:32
